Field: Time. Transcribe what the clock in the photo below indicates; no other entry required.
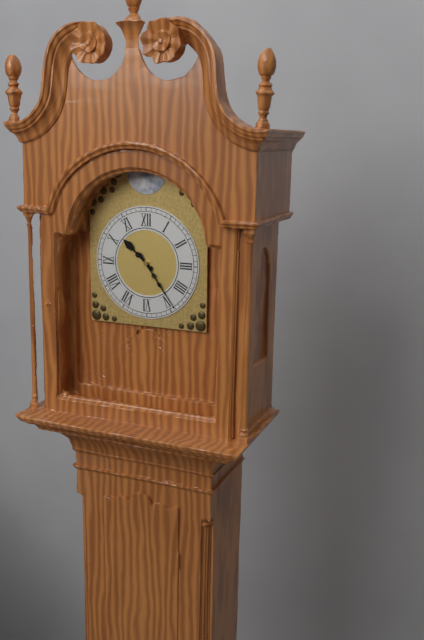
10:24
